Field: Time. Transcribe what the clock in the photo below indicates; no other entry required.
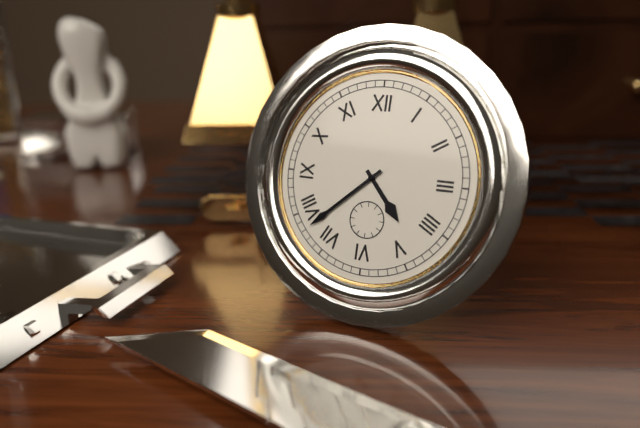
4:38
